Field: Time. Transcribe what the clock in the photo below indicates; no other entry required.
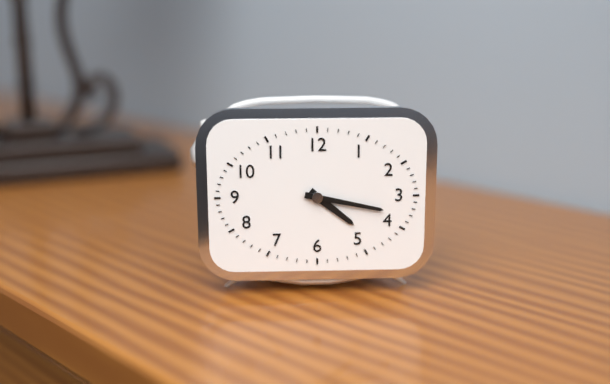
4:17
